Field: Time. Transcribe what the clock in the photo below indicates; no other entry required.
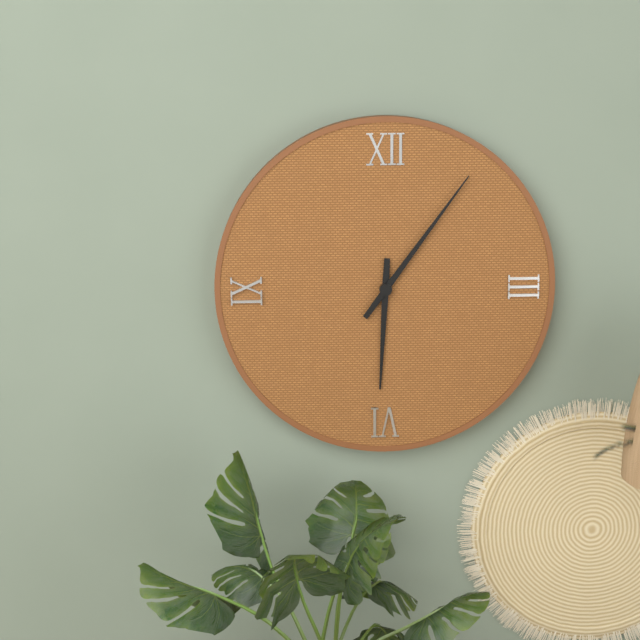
6:06
